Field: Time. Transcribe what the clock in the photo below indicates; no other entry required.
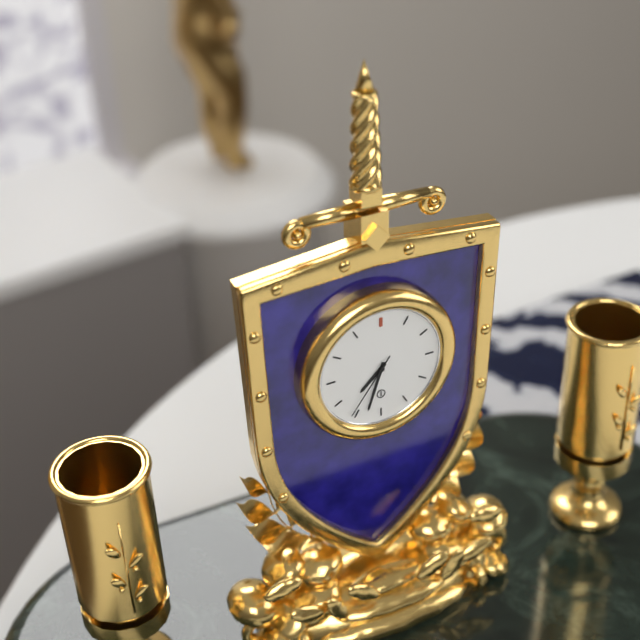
7:33:36
